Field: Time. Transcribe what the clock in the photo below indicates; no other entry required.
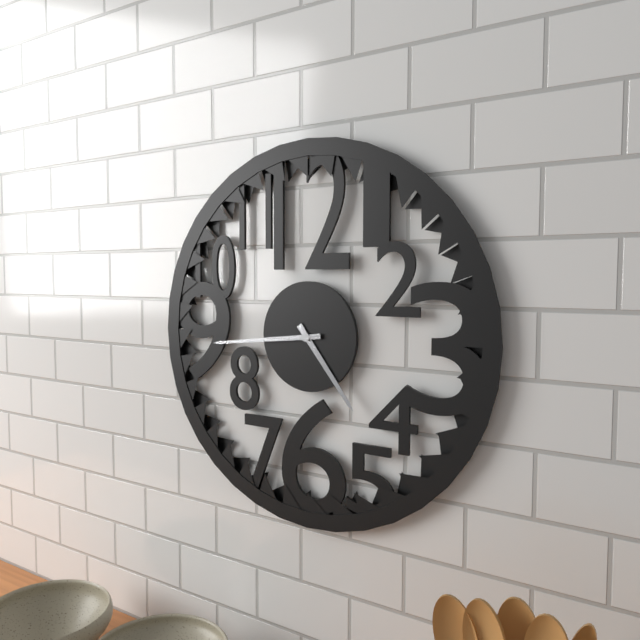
4:44
